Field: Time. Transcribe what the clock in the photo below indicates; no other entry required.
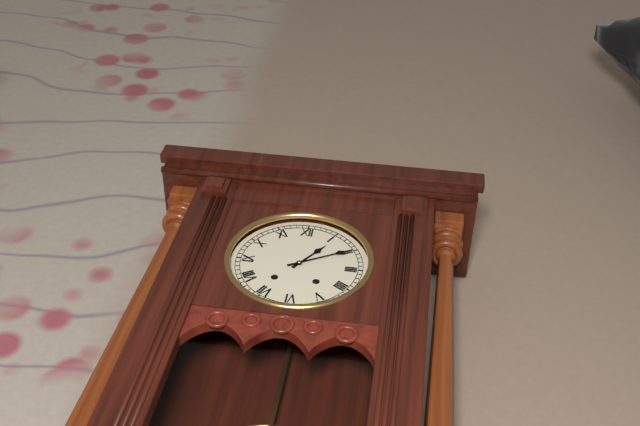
1:10
